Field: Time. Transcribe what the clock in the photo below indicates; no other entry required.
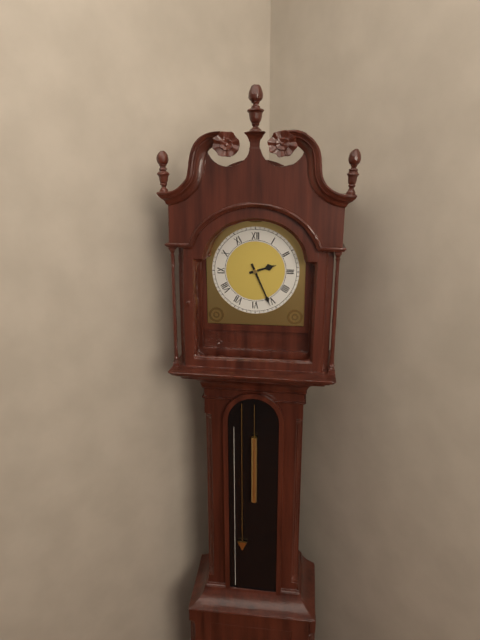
2:26
